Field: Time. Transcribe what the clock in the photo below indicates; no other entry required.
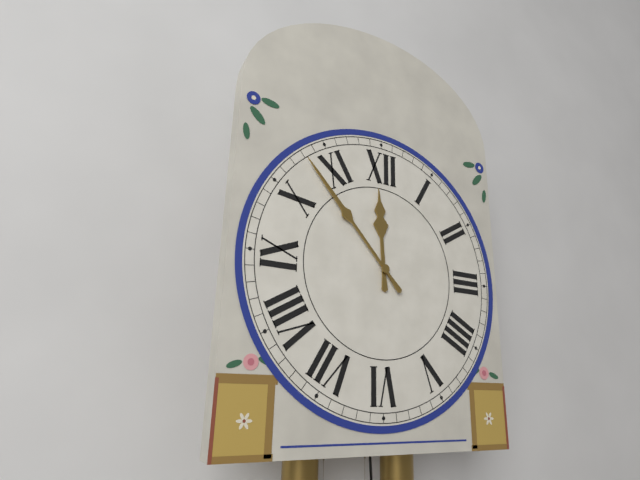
11:53
